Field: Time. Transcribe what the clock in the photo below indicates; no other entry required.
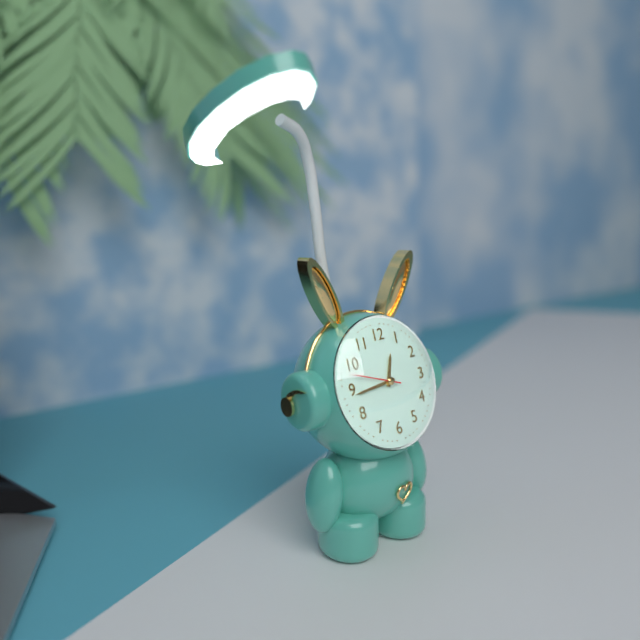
12:44:48
